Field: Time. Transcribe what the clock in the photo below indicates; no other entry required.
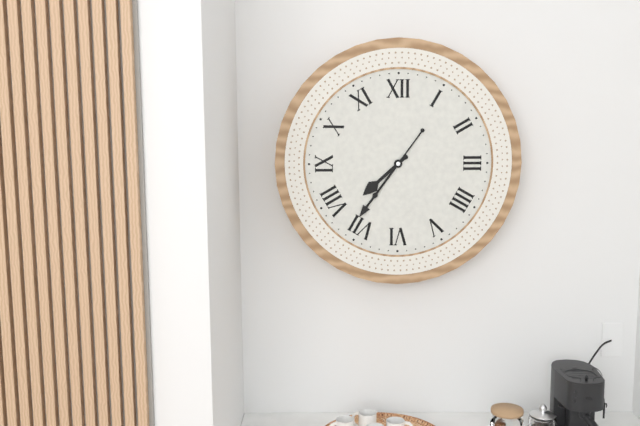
7:36
